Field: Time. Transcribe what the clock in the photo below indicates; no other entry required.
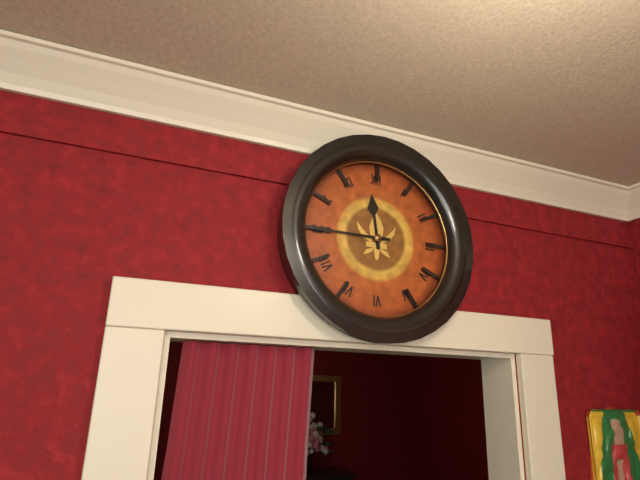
11:45
